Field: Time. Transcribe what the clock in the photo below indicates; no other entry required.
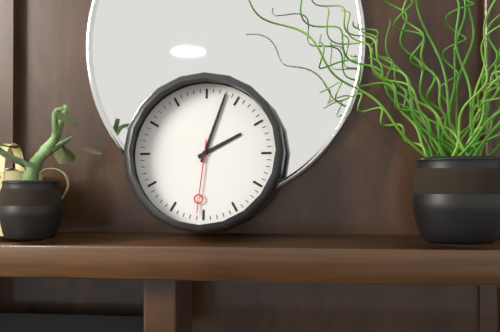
2:03:31
